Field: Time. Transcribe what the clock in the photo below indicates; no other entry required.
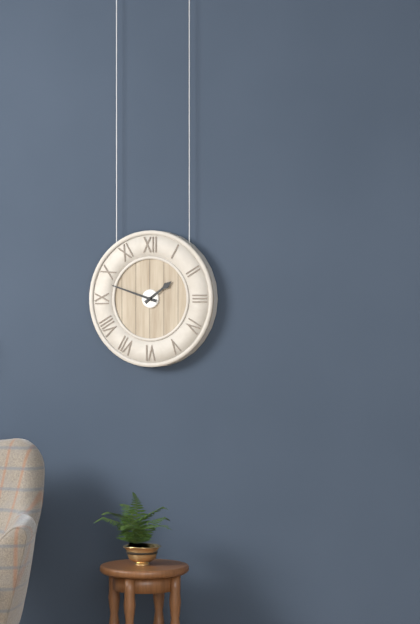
1:48
